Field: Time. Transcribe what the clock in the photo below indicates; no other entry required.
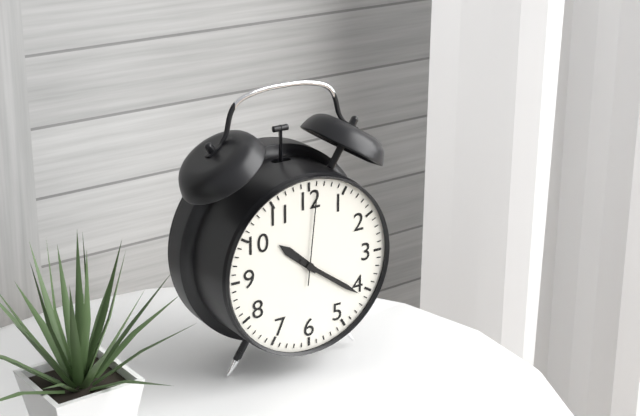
10:21:01
